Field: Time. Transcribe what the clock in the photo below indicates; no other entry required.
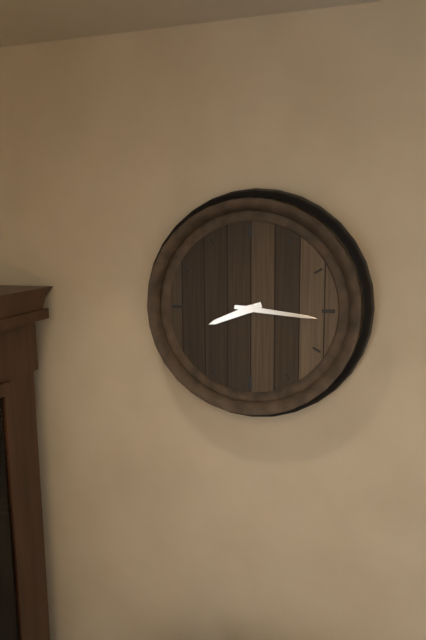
8:16
